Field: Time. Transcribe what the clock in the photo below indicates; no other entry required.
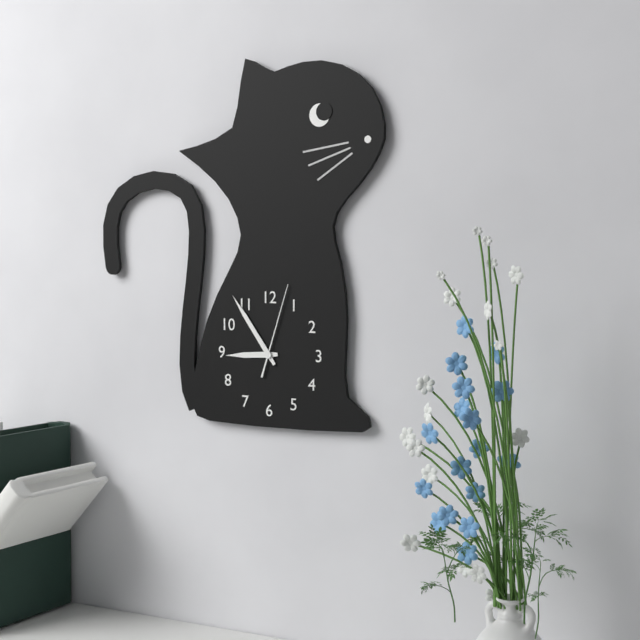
8:54:03
